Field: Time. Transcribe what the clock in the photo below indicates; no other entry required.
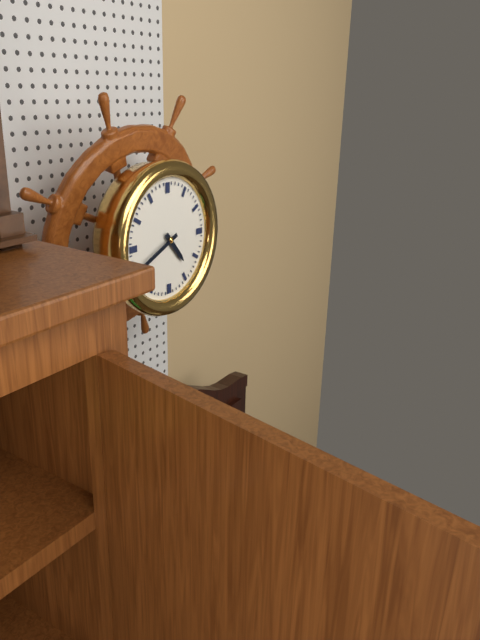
4:41
